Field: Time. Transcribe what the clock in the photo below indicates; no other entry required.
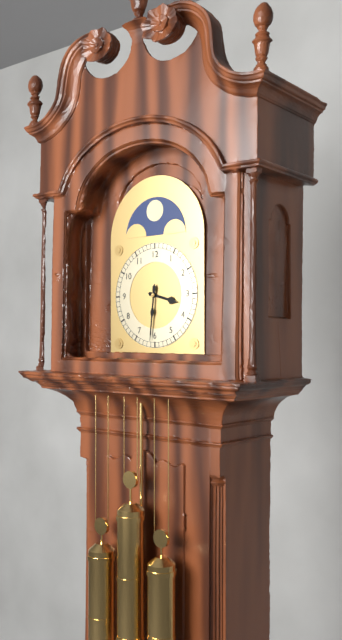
3:31
